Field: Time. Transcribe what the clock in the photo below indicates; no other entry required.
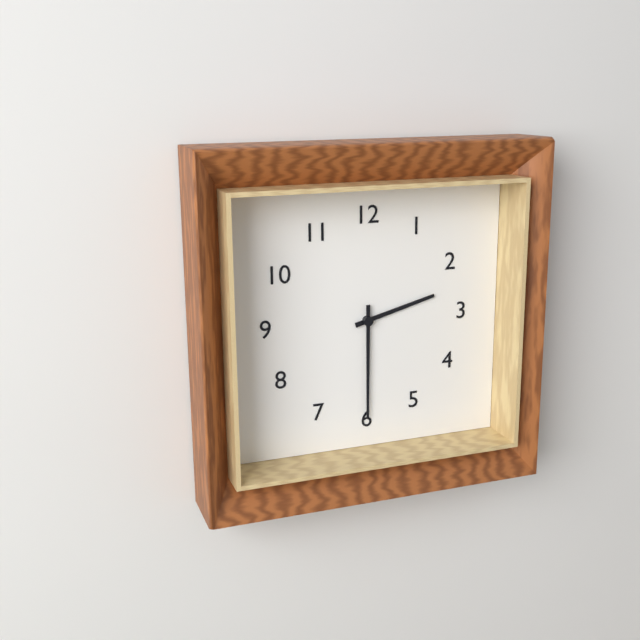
2:30
